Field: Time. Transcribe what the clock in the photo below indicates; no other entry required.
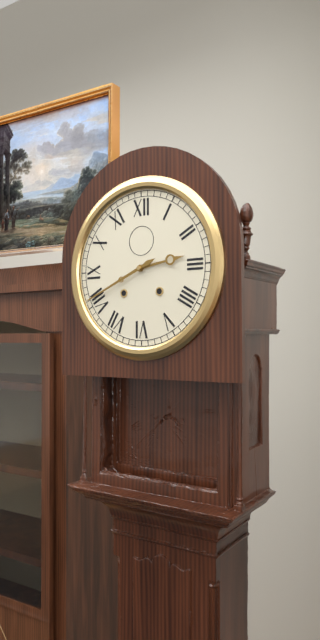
2:41
